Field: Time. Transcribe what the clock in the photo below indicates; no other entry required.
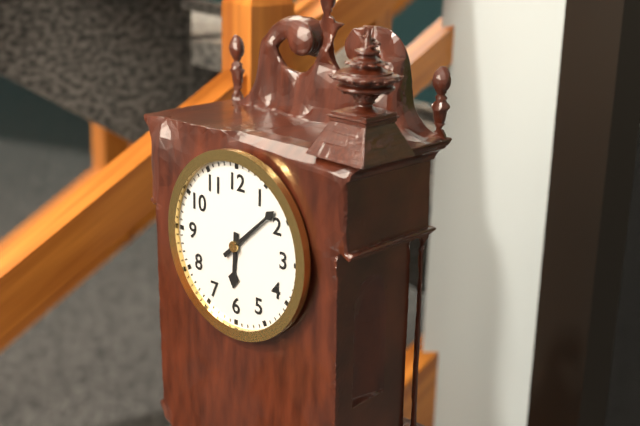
6:08
